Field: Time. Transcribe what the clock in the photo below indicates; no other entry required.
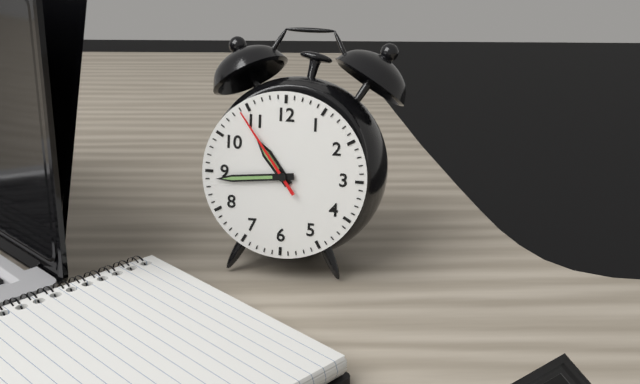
10:44:54
